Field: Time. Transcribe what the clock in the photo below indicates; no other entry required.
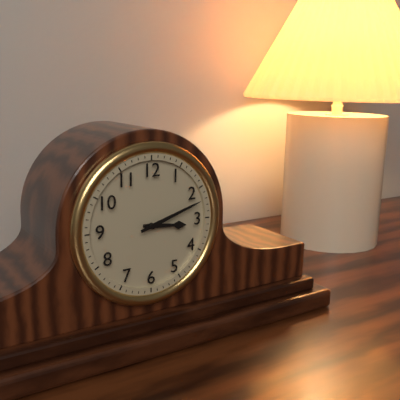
3:12
